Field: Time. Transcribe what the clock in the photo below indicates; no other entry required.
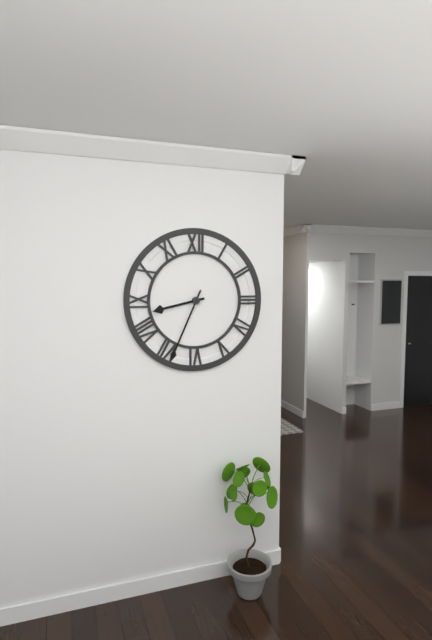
8:34
